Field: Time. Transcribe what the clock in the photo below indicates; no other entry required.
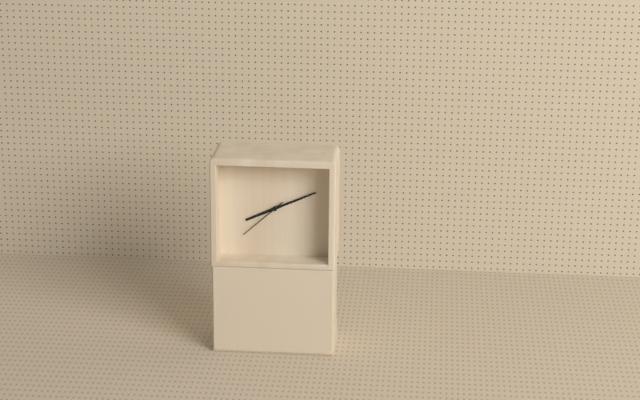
8:11:38
